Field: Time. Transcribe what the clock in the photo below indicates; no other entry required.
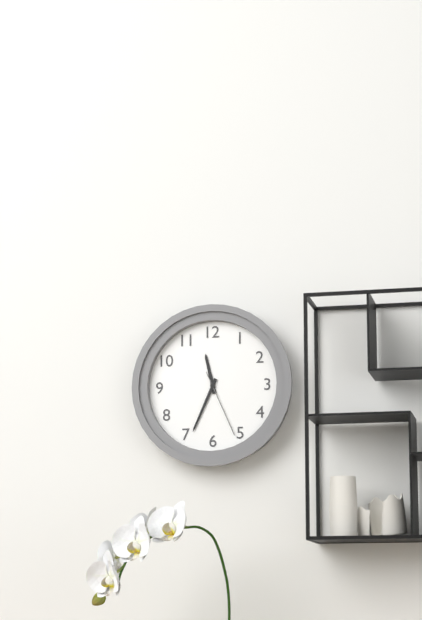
11:34:26
